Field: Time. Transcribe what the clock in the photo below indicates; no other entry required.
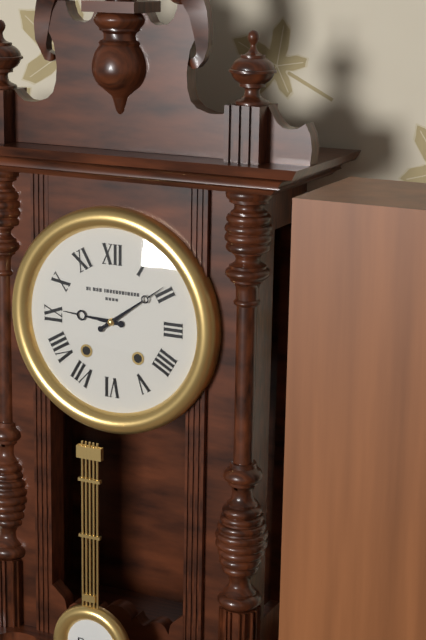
9:09
